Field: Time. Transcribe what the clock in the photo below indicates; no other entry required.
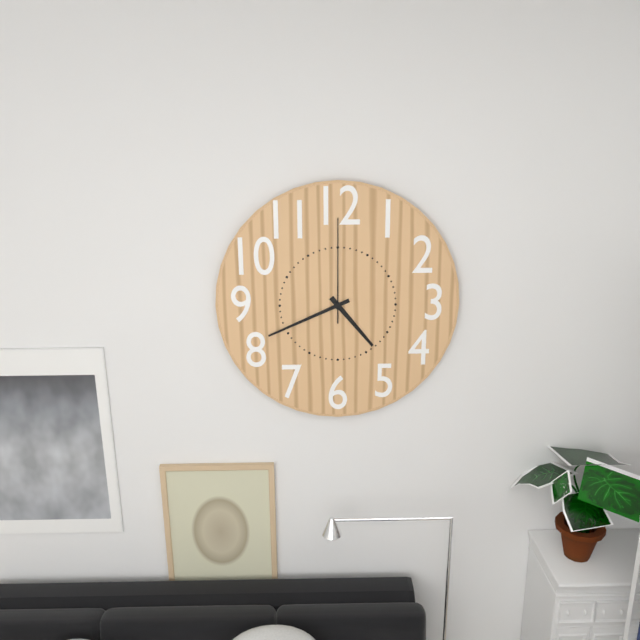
4:41:00
